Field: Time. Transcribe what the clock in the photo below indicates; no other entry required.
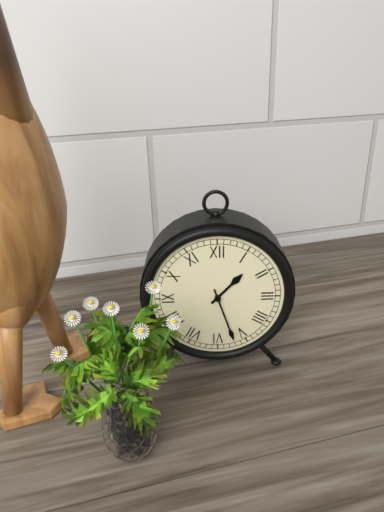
1:27
